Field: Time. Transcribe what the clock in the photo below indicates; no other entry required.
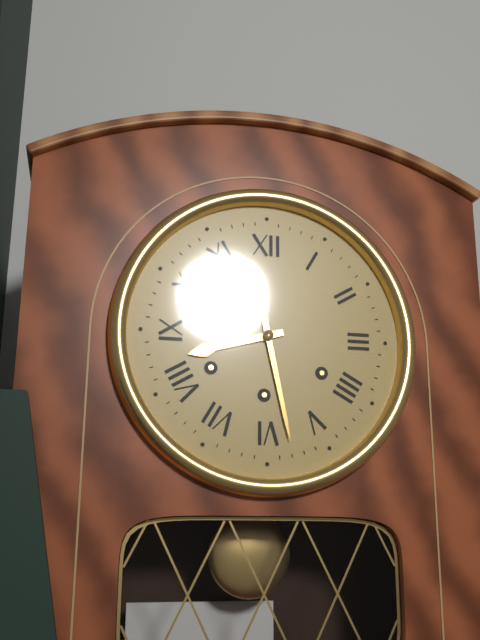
8:28
